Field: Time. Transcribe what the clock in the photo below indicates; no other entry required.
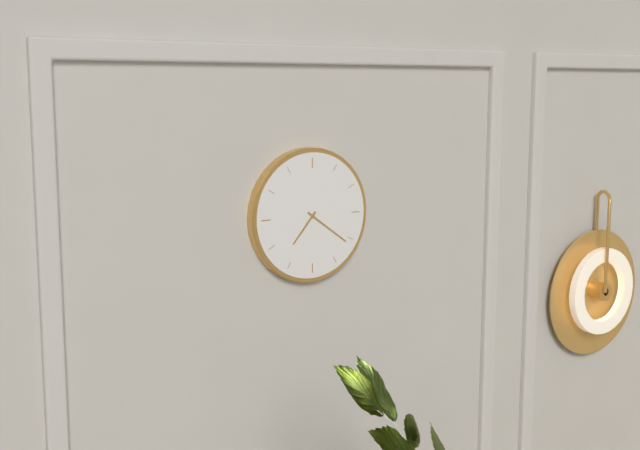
7:21
